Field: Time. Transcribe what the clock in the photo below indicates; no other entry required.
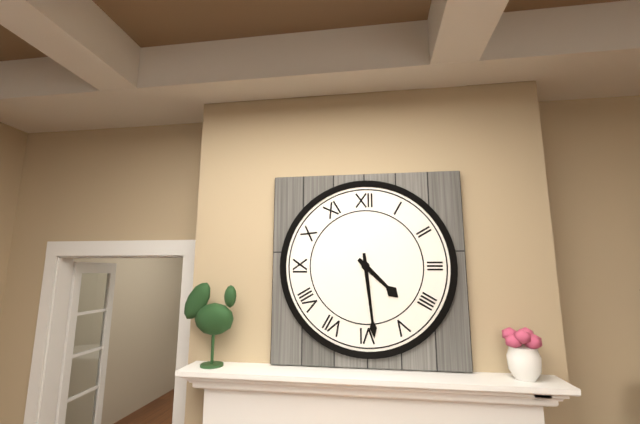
4:29
